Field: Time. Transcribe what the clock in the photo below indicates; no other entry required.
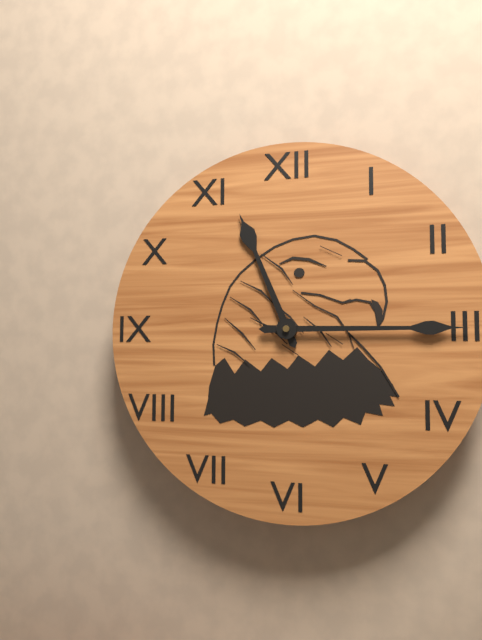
11:15
